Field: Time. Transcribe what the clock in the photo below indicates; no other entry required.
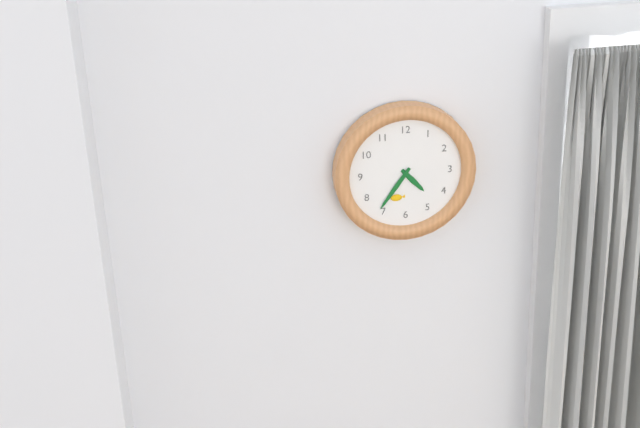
4:36
